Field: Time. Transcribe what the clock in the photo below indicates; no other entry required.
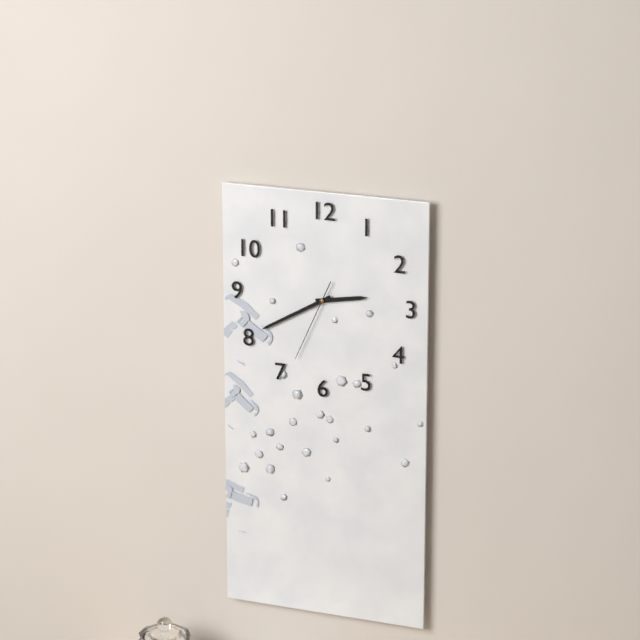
2:40:34
